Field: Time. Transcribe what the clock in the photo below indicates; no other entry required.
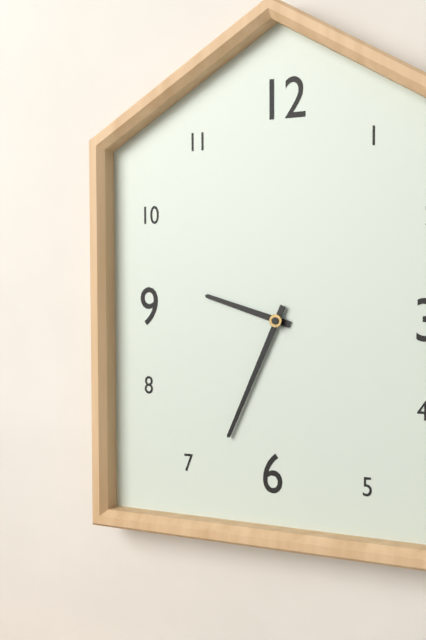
9:34
